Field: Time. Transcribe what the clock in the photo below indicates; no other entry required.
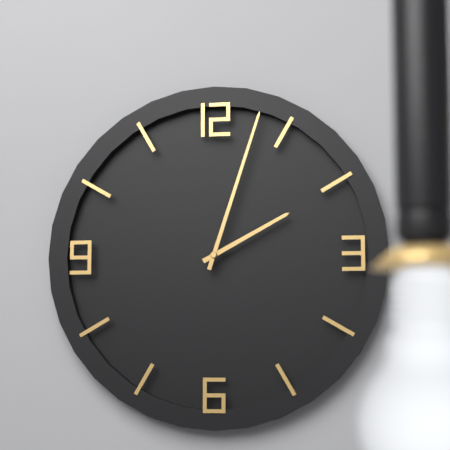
2:03
